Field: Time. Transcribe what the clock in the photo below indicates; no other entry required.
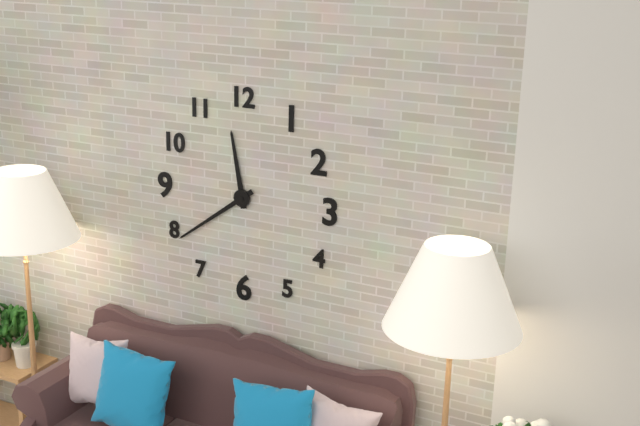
11:39
